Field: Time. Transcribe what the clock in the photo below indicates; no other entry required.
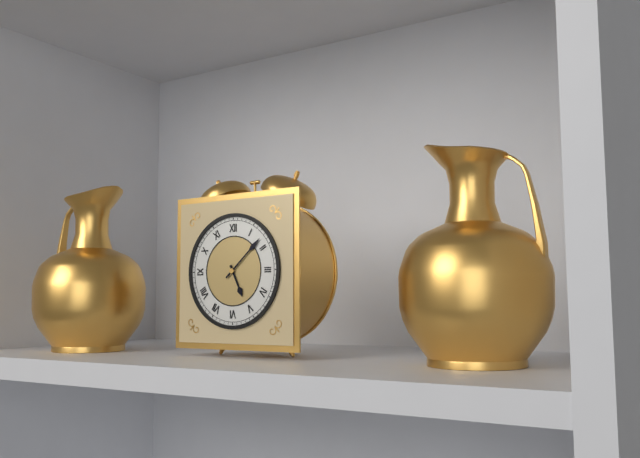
5:08
